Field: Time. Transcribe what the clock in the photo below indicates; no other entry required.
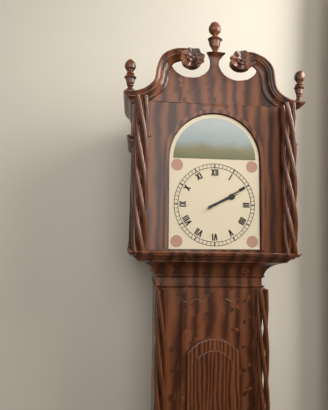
2:10
